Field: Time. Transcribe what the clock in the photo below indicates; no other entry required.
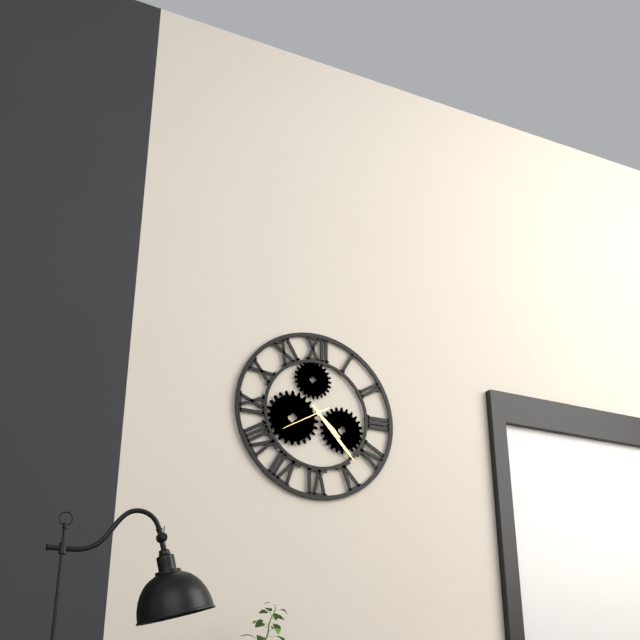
4:23
